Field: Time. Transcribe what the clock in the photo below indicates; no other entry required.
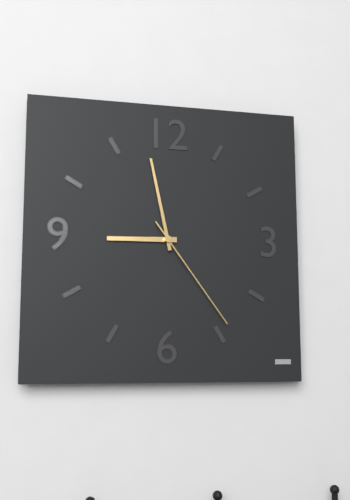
8:58:24
